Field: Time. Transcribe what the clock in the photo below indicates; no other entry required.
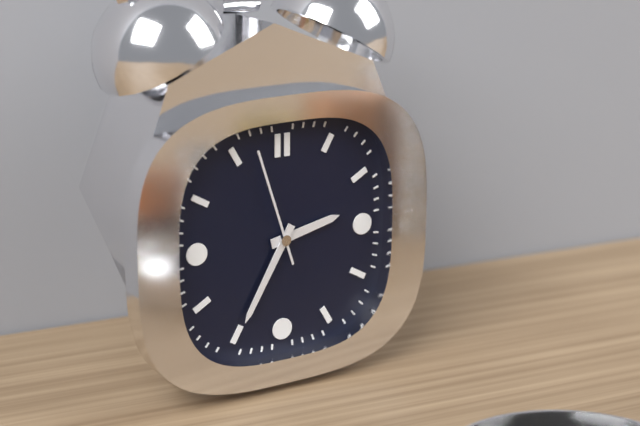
2:35:57
